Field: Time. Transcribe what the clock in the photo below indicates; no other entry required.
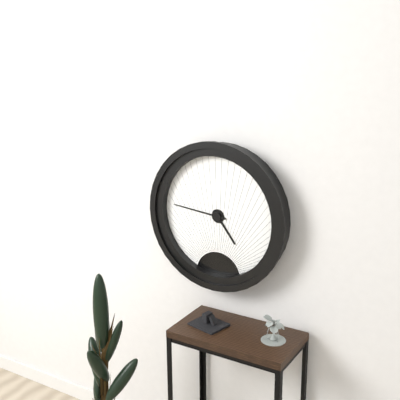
4:46
